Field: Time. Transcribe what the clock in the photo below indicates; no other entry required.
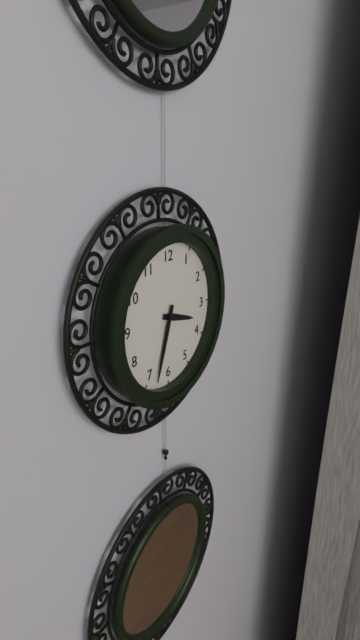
3:33
